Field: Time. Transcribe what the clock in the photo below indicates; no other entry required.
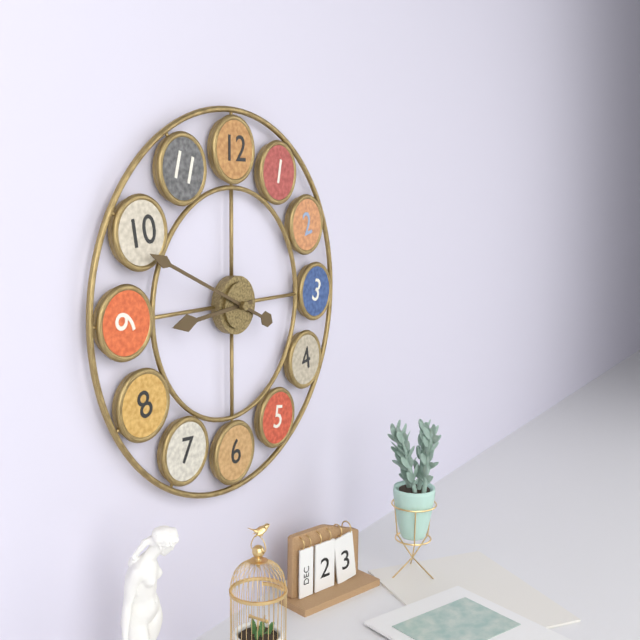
8:49
